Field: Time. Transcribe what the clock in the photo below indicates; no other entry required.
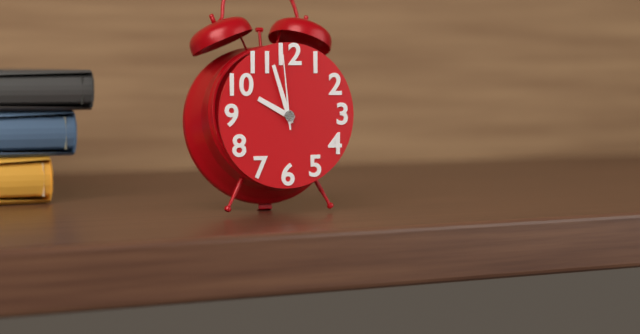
9:57:59
